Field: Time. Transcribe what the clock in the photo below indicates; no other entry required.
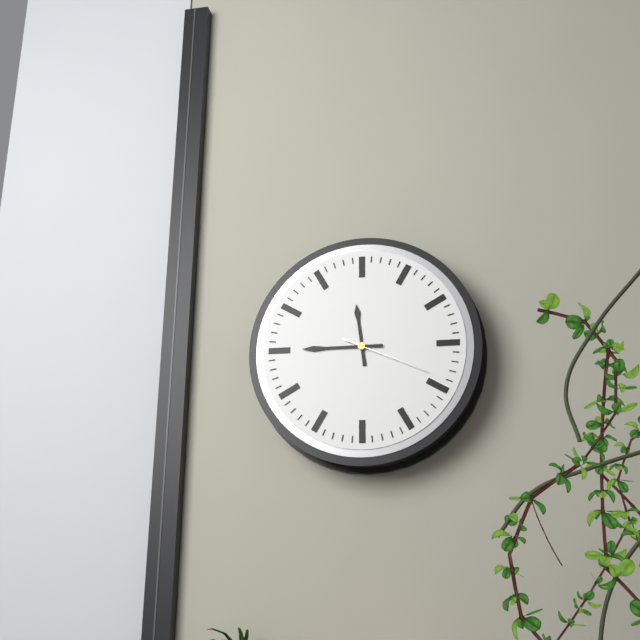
11:45:19
